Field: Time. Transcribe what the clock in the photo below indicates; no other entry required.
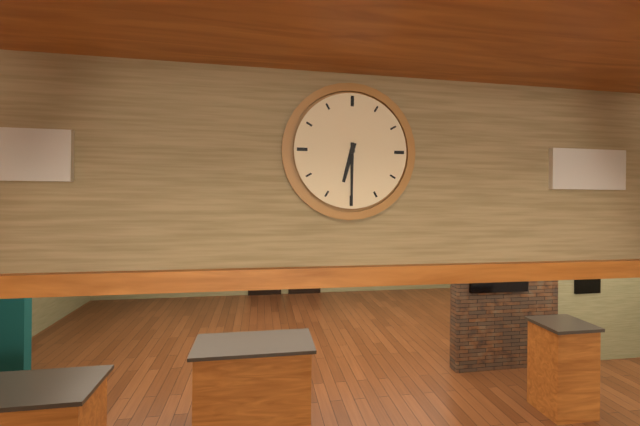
6:30
